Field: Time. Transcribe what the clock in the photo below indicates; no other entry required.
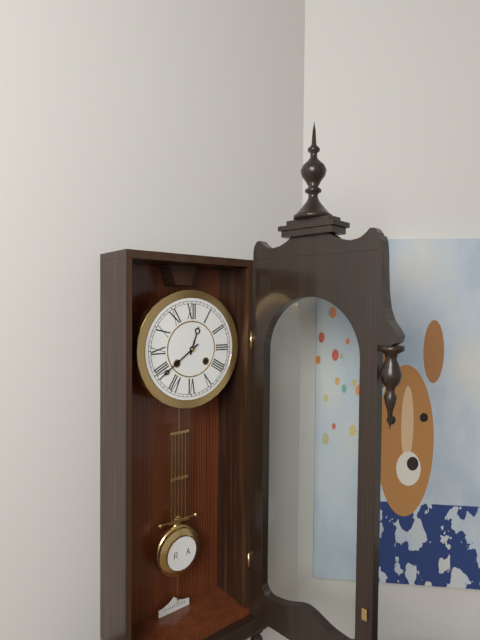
12:39
